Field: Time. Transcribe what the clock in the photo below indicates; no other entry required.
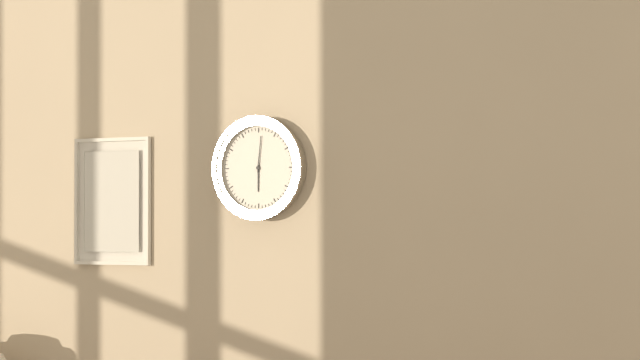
6:01
